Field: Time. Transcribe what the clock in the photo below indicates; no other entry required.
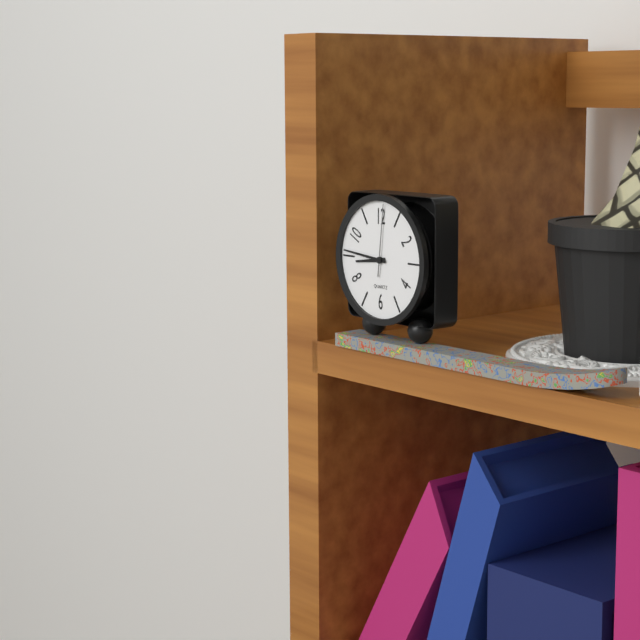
8:46:01
